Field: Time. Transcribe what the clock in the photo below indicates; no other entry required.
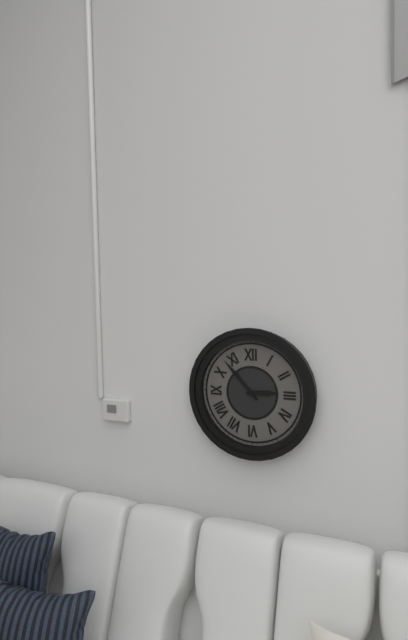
2:53
